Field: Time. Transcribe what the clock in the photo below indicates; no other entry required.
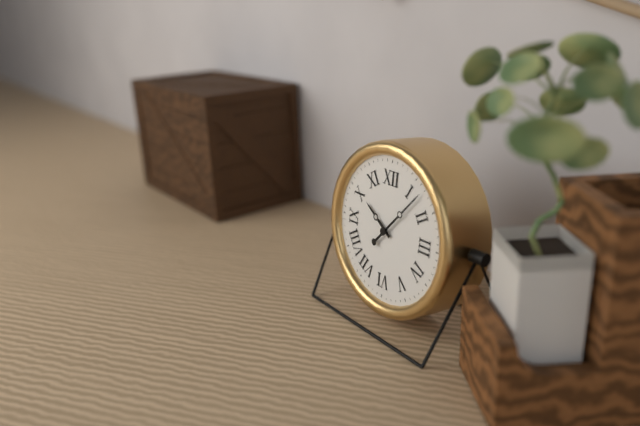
10:07
